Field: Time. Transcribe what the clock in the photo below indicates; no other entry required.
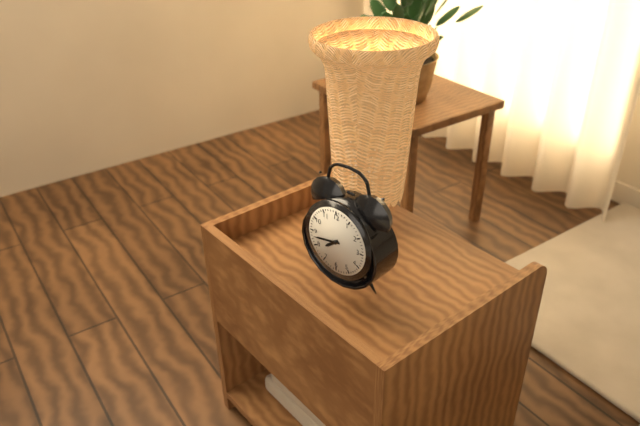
7:43
